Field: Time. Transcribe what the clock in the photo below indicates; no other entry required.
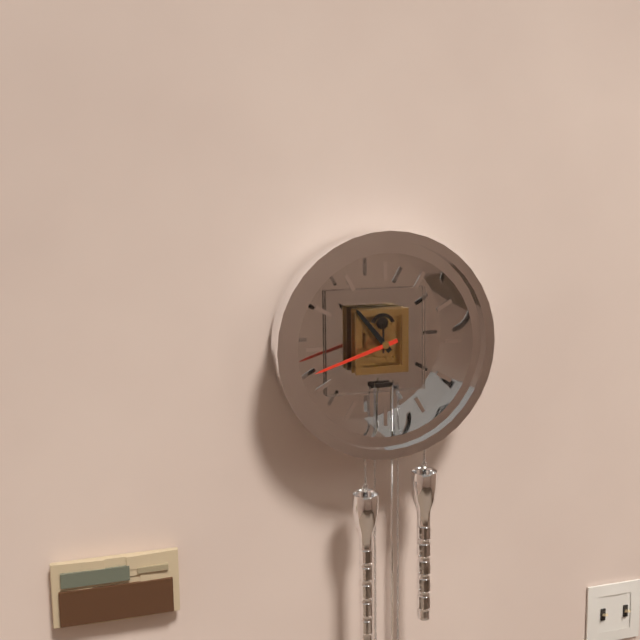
10:42
